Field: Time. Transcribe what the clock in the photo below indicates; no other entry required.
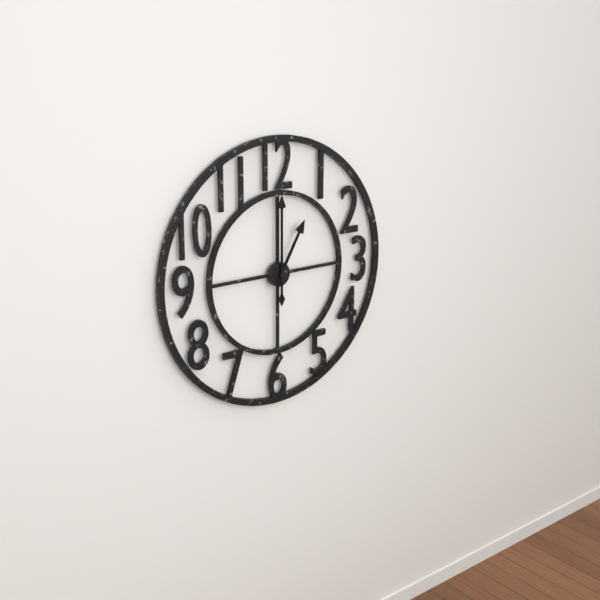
1:00
